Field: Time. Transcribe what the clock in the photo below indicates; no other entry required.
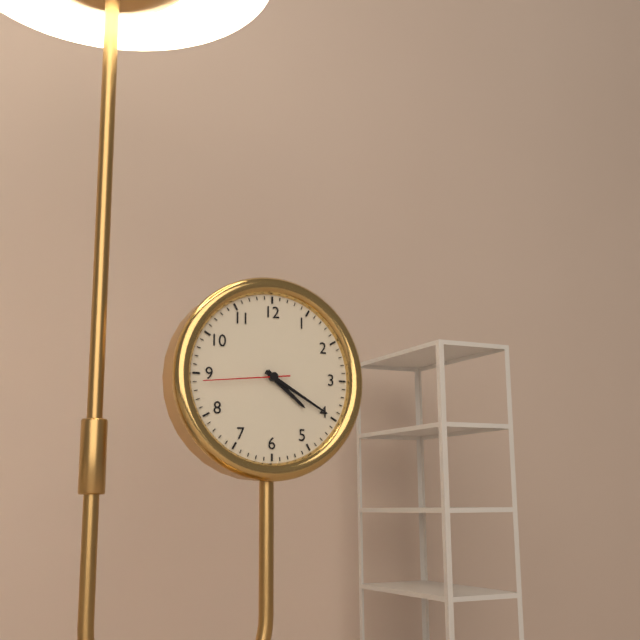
4:20:44
